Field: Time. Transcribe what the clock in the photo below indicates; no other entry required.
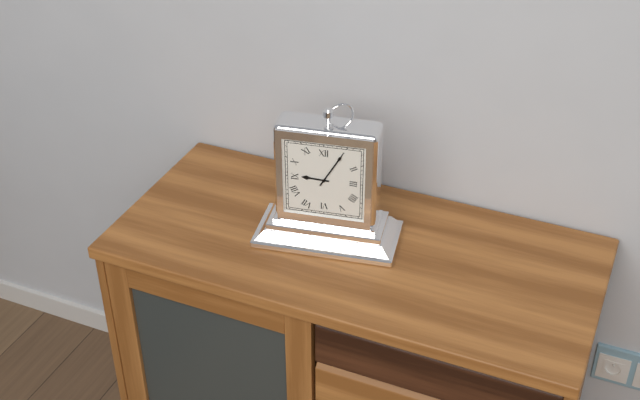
9:05
